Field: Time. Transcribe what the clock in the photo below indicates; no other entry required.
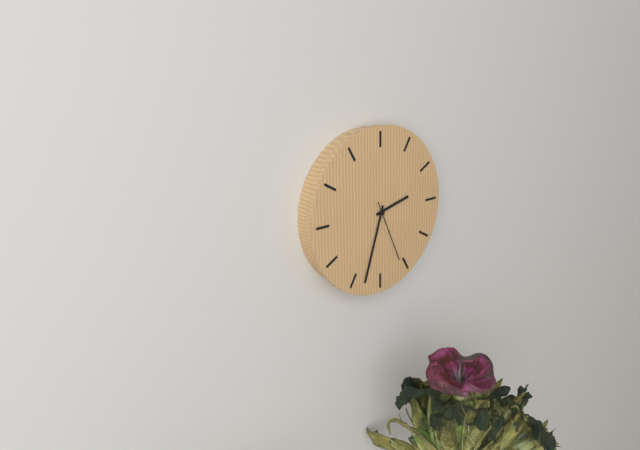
2:33:26
